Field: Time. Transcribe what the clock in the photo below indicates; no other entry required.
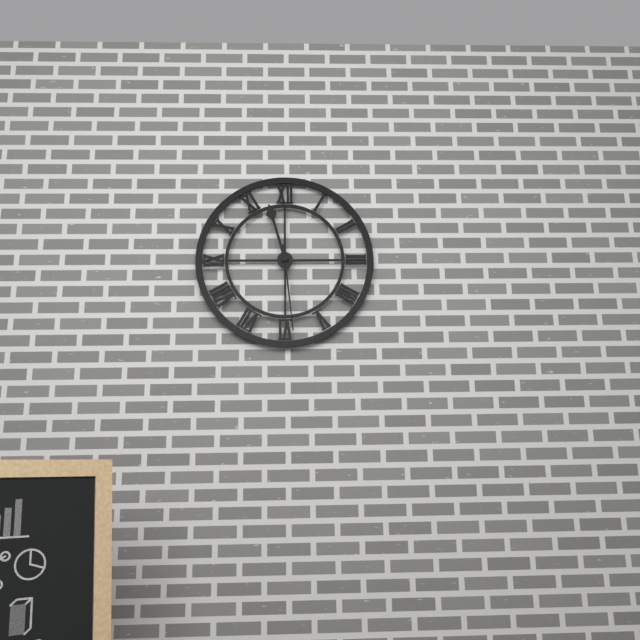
11:29
